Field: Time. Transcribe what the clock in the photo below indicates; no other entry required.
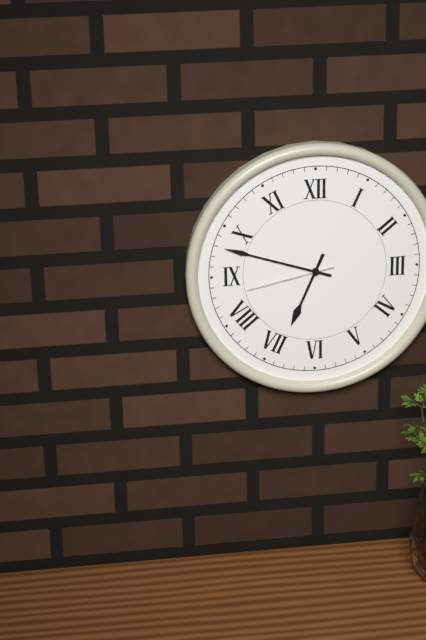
6:48:43
